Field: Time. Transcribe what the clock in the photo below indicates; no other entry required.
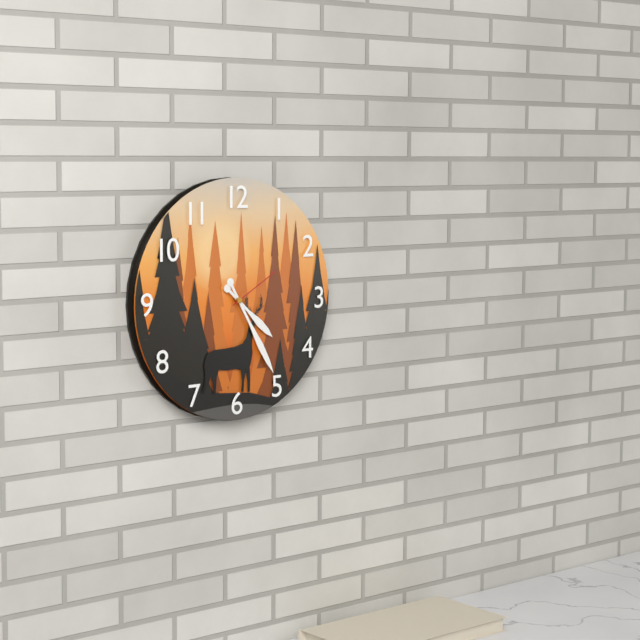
4:25:10
